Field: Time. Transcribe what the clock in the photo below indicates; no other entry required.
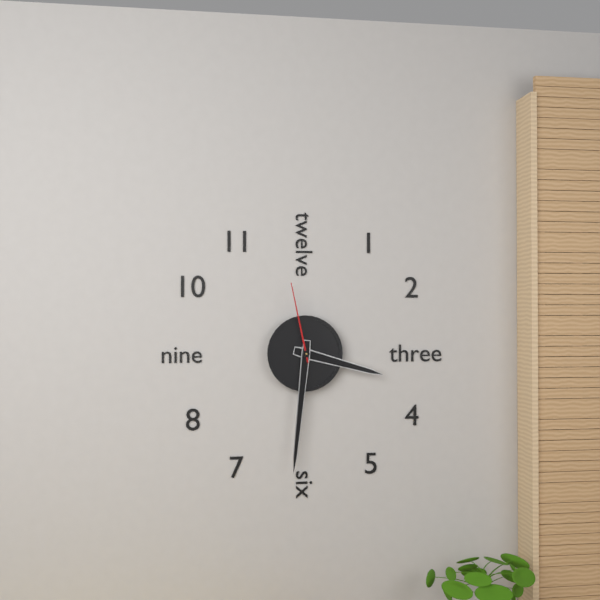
3:31:58
